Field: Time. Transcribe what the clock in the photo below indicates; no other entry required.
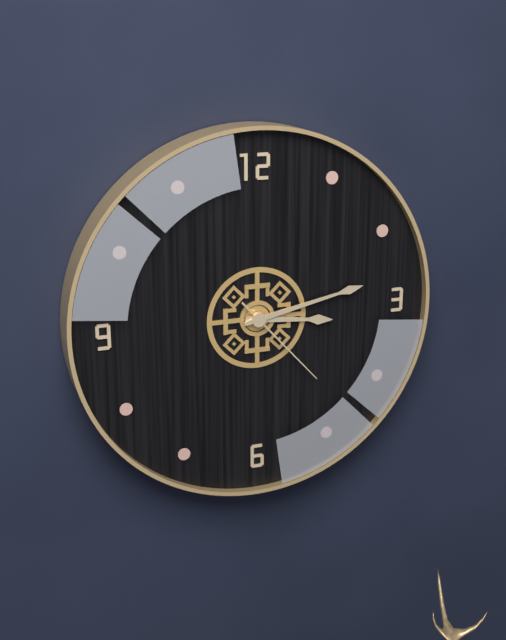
3:13:23
